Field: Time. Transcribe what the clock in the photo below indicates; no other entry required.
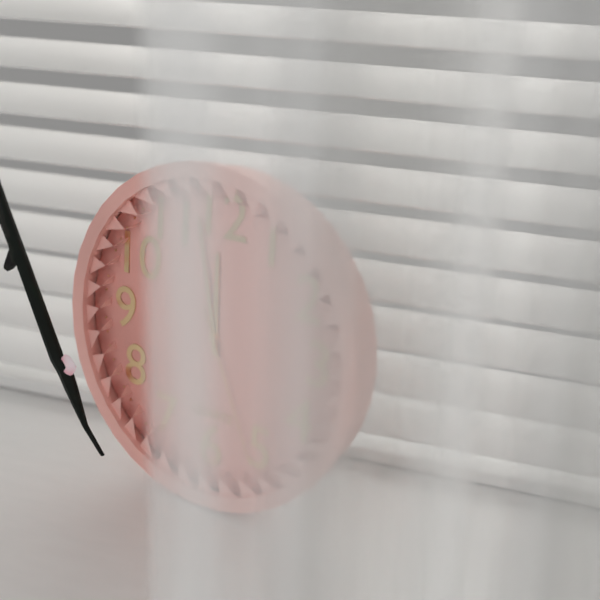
11:58:26
